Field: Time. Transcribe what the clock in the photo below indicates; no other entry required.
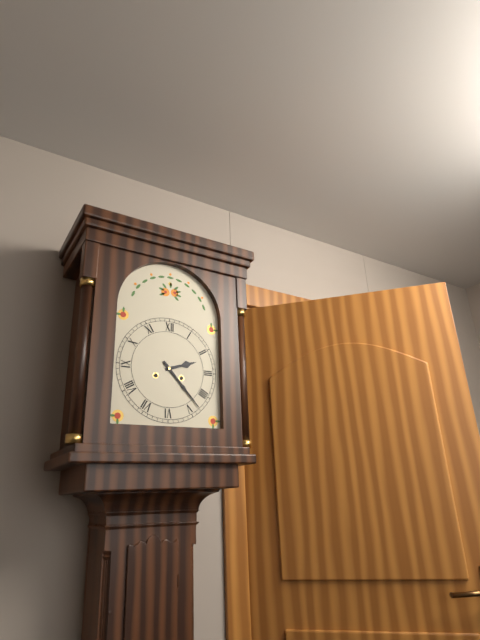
2:23
